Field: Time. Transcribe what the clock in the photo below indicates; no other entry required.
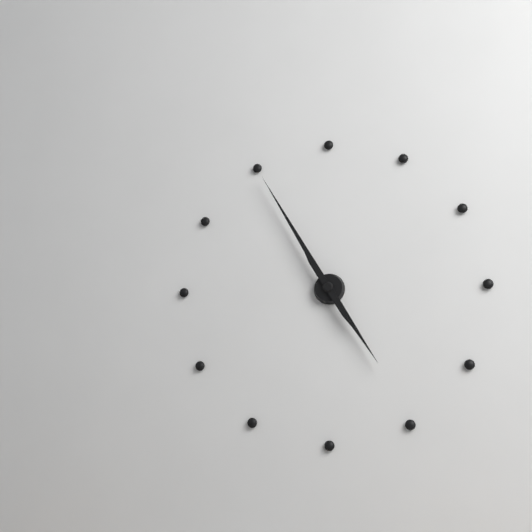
4:55
